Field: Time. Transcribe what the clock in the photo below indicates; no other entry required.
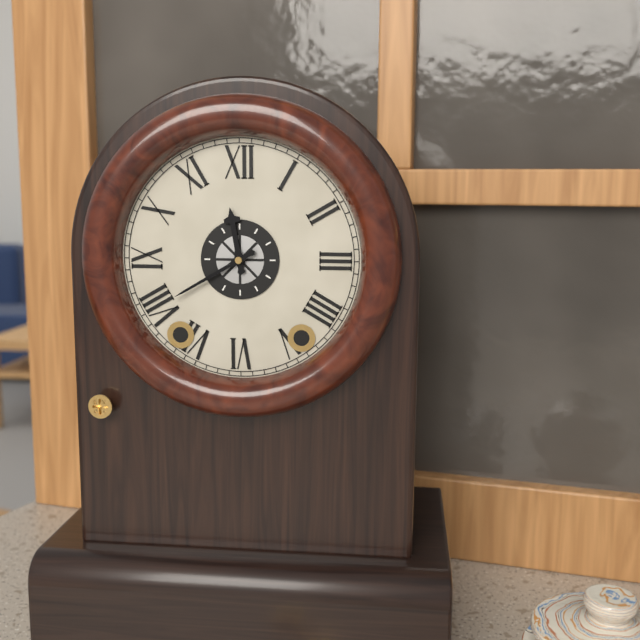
11:40
